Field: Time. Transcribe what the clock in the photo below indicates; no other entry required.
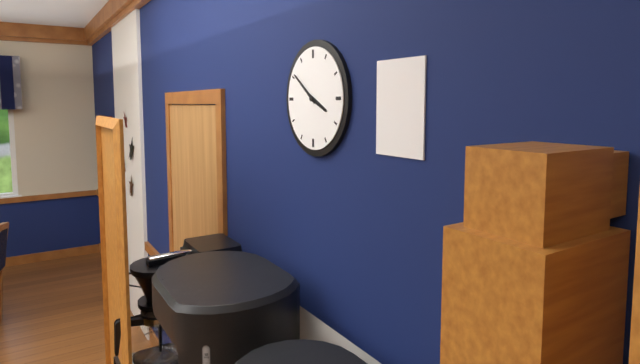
3:51
